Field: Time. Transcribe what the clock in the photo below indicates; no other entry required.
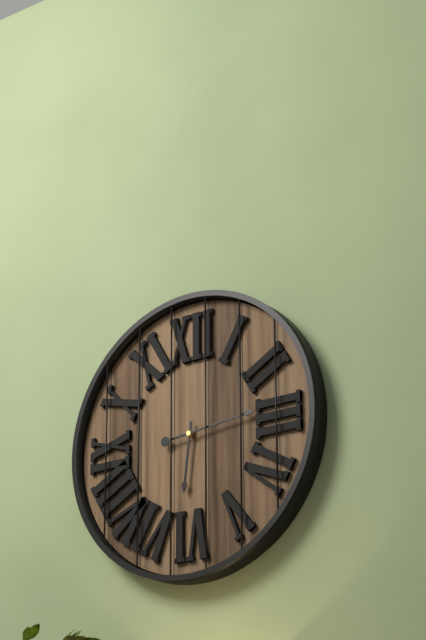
6:14
